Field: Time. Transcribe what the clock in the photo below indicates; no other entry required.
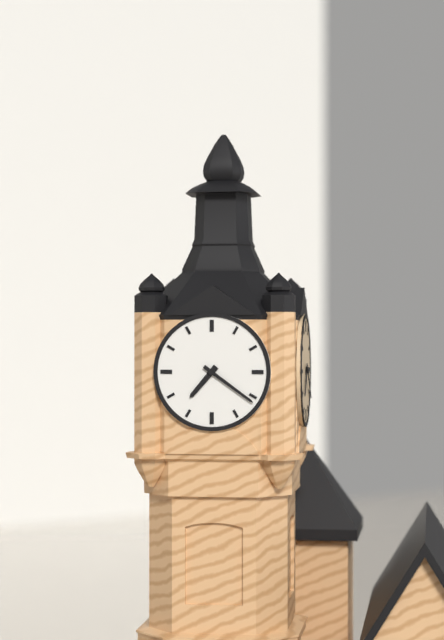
7:21
